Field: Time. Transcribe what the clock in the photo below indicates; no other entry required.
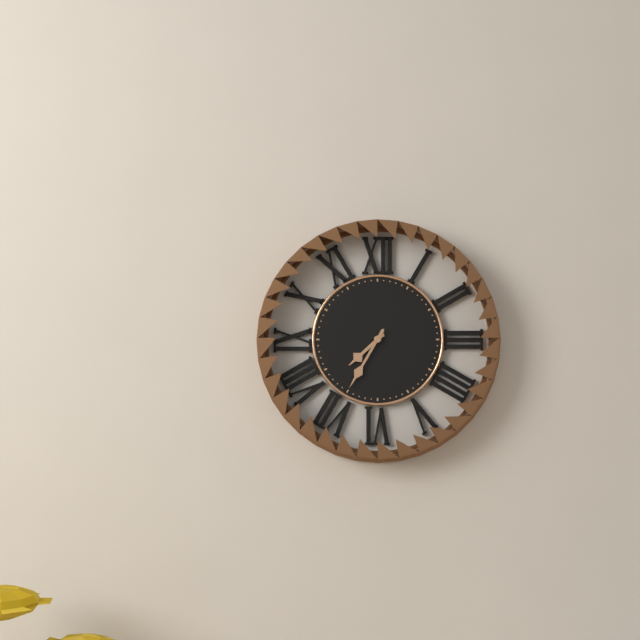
7:35
